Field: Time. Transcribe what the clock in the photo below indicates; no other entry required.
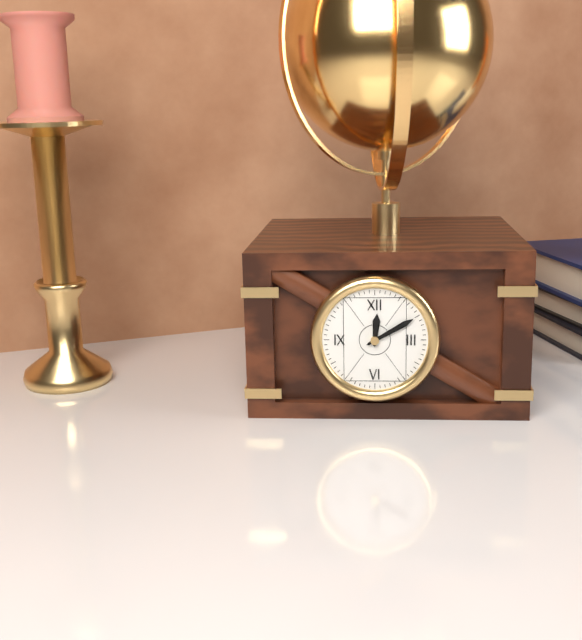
12:10
